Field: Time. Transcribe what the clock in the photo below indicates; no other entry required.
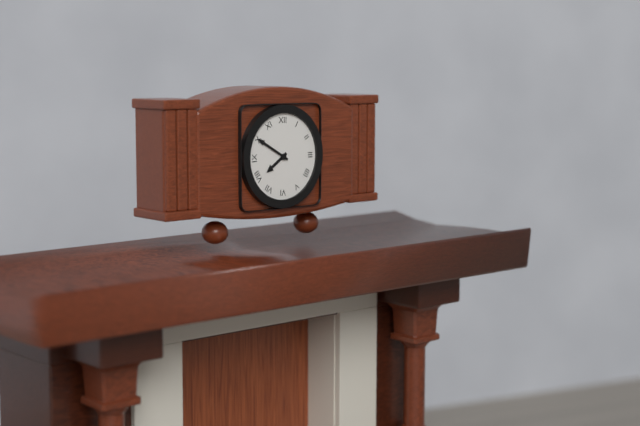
7:50
